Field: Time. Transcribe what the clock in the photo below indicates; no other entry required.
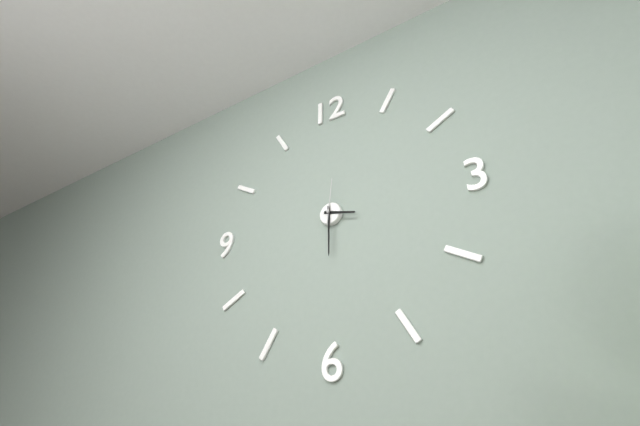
3:30
